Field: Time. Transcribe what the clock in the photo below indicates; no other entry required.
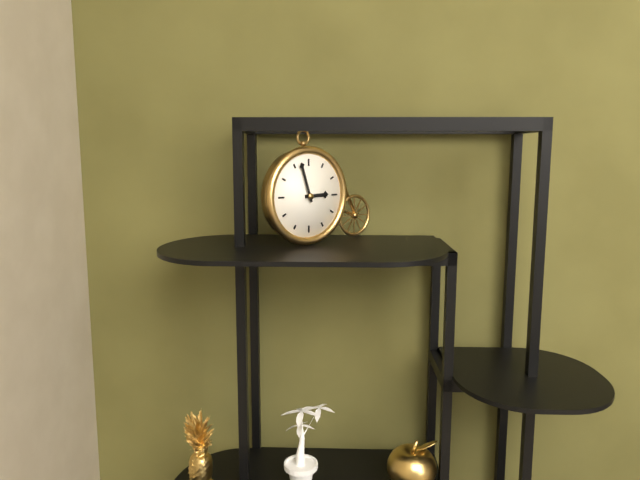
2:57
